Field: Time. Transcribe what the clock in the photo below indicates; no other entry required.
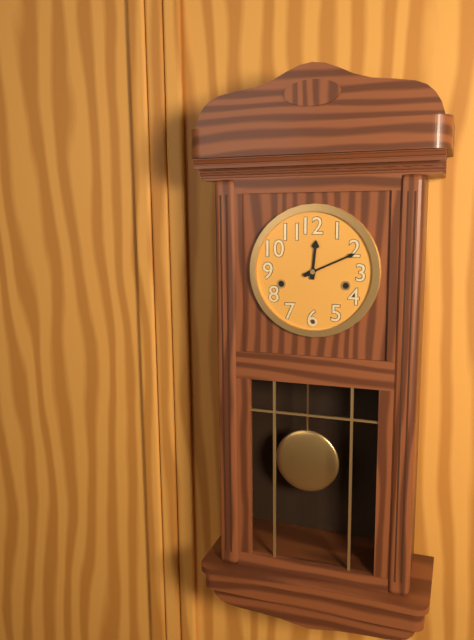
12:11
